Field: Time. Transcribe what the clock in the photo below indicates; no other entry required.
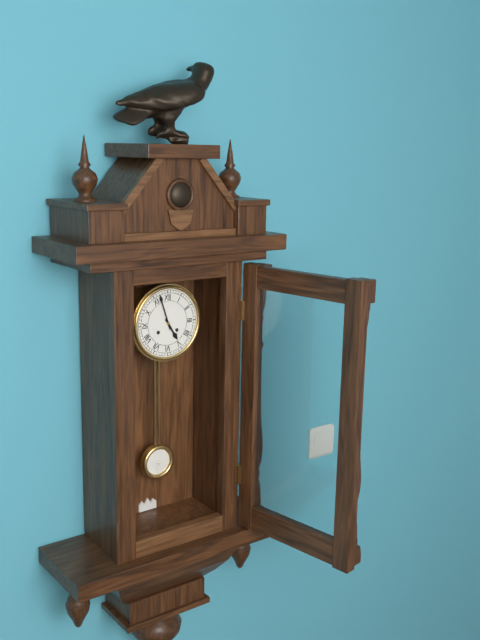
4:57
